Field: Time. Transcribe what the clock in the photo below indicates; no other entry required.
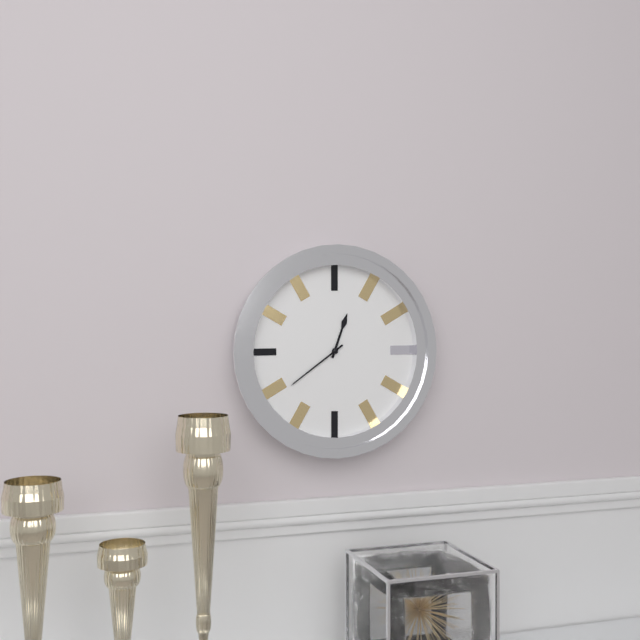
12:39
